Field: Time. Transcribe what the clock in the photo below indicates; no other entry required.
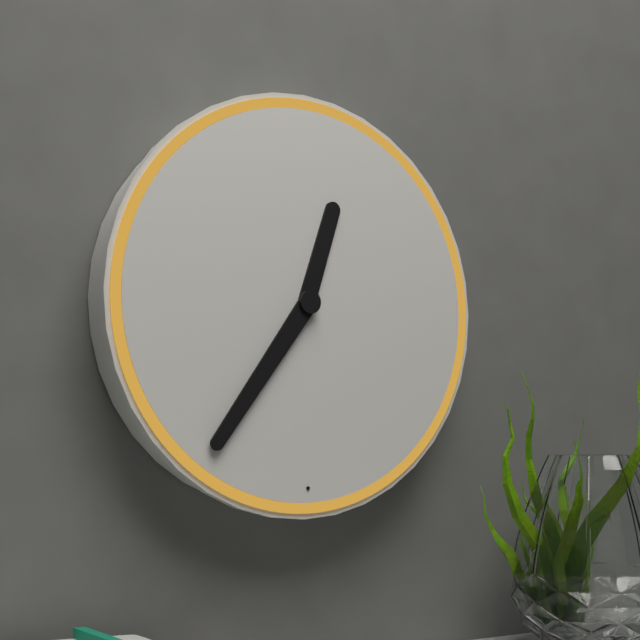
12:36
